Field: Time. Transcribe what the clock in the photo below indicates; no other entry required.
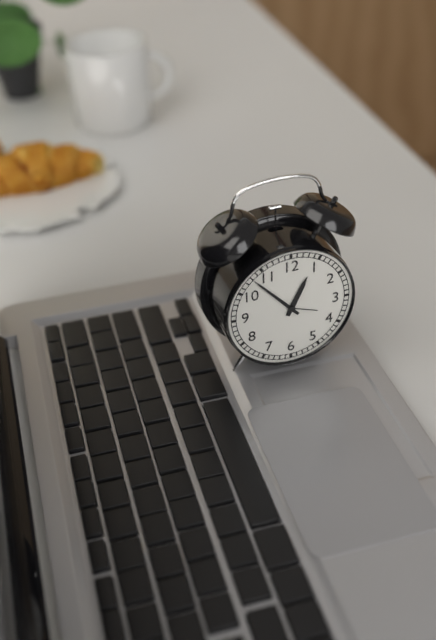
12:53
